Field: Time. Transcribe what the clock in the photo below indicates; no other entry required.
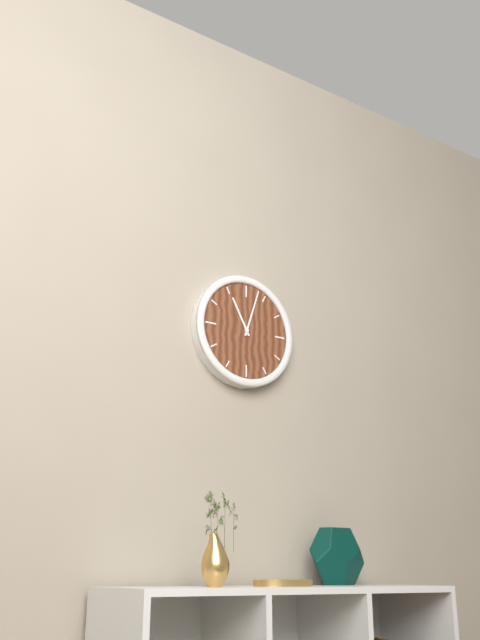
11:03
